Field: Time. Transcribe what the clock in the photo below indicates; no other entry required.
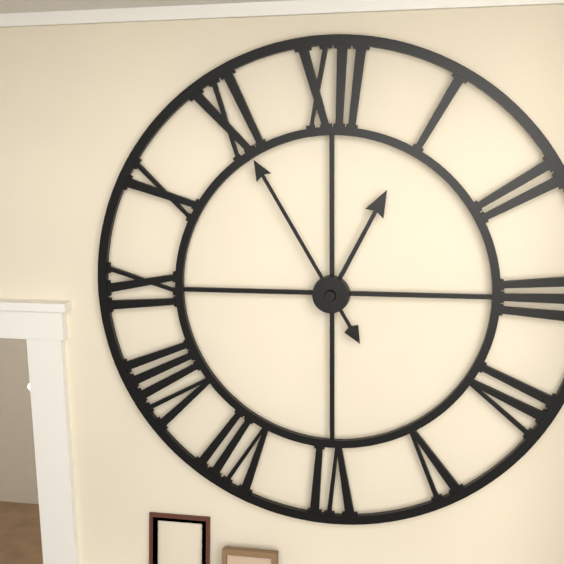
12:55
